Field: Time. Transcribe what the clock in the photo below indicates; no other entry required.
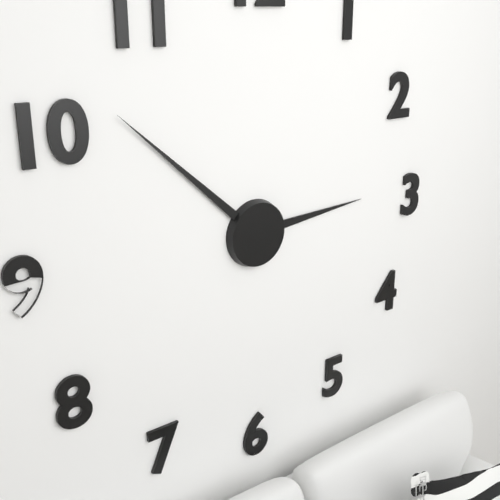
2:52
